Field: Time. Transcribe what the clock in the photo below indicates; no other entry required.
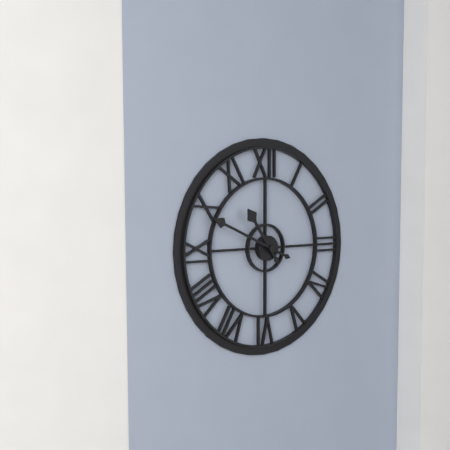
10:49
